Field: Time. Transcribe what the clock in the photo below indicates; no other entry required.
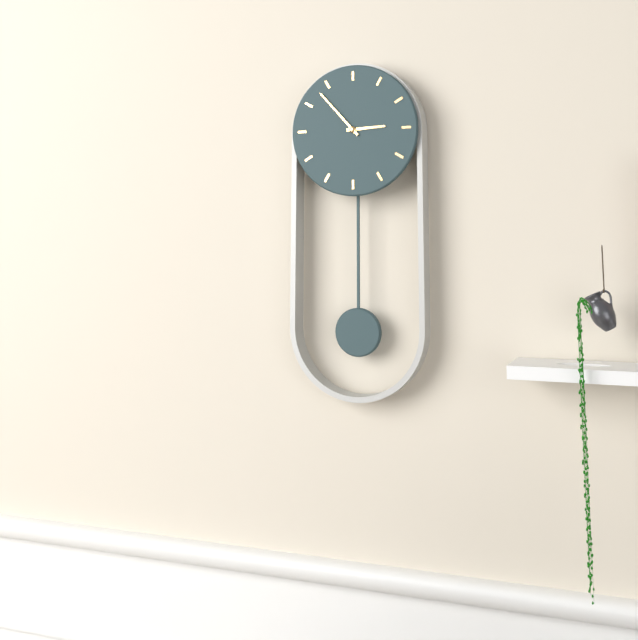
2:53
